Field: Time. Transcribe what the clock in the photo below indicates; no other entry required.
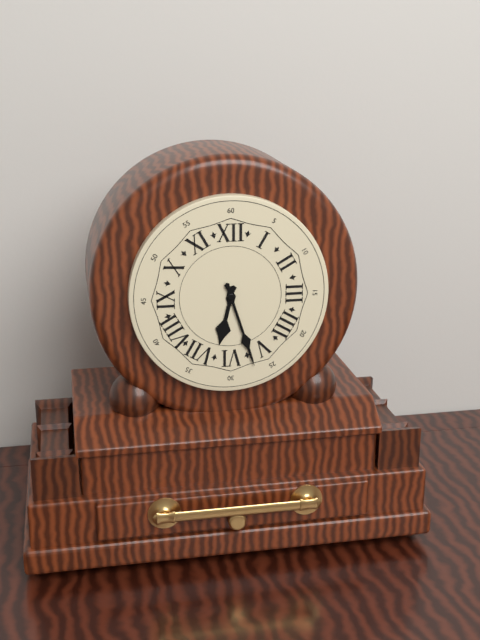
6:27
